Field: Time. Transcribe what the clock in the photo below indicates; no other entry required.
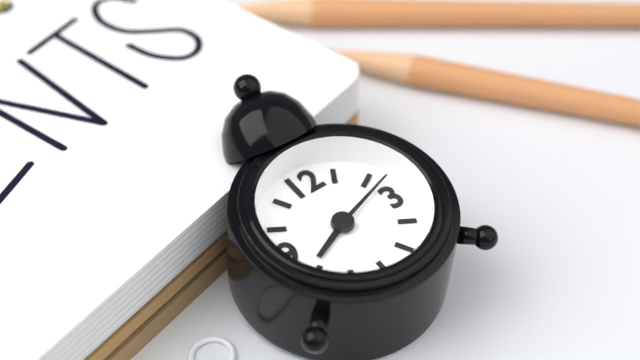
8:12
